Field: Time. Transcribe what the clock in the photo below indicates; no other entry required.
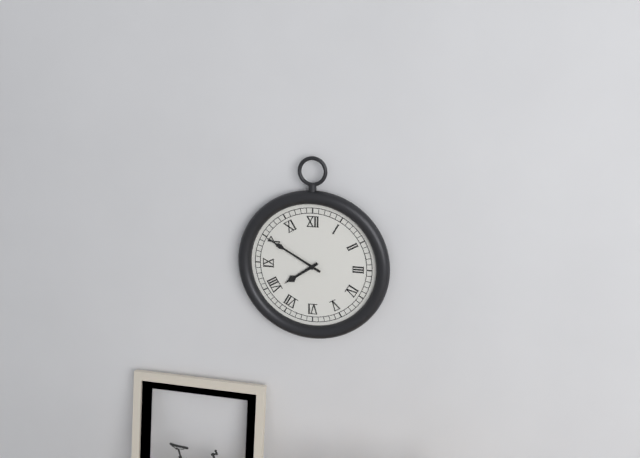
7:50
